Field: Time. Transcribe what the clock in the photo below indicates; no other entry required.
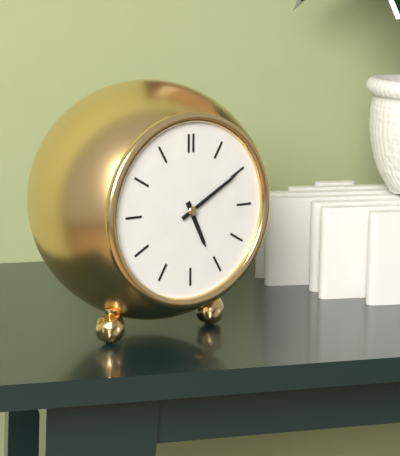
5:10
